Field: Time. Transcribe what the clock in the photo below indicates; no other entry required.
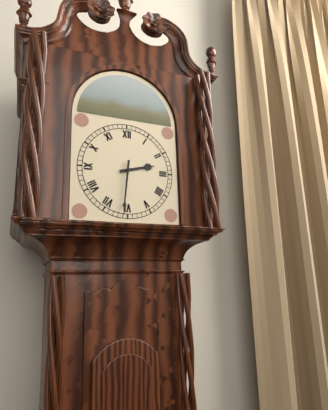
2:31
